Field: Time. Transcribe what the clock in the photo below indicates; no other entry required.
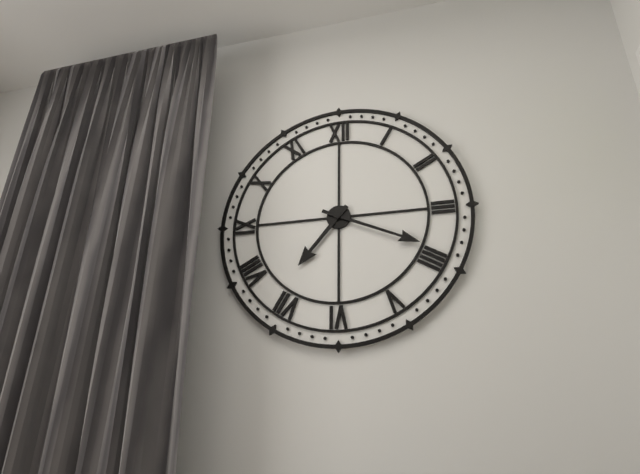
7:19
